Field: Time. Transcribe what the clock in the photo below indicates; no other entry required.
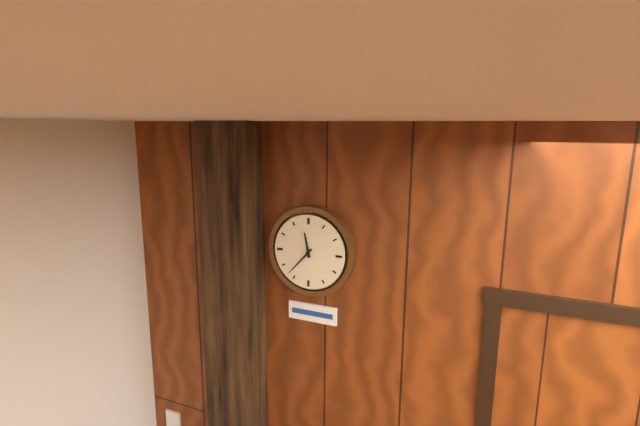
11:37
